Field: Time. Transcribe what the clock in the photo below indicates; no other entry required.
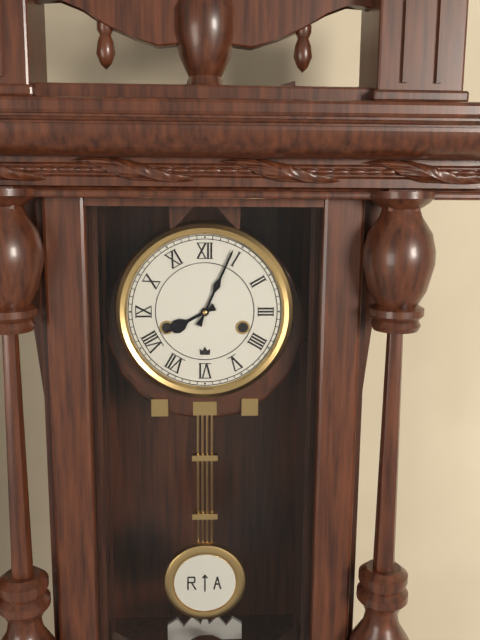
8:04
